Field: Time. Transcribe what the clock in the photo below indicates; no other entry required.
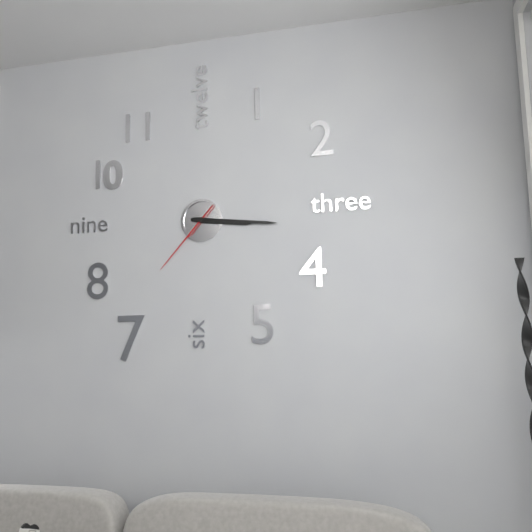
3:16:37
